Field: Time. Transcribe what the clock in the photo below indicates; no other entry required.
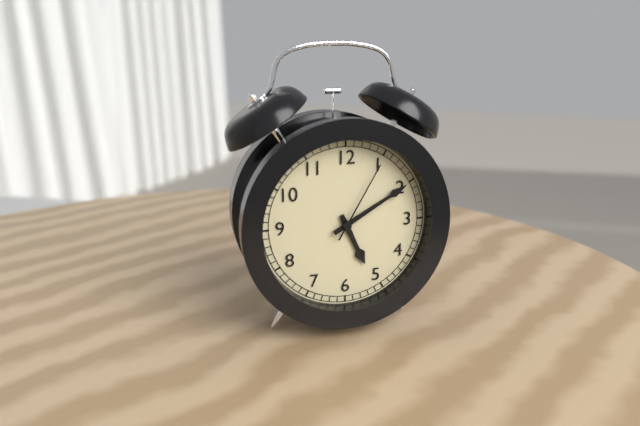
5:10:05
